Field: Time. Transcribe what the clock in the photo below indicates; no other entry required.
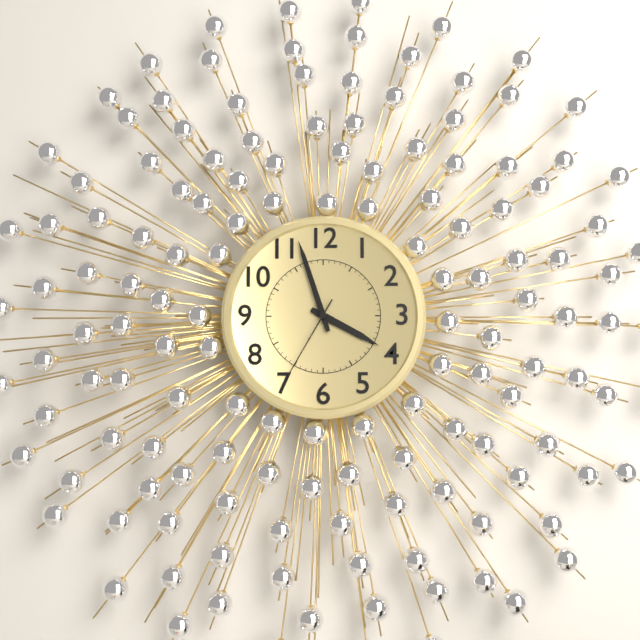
3:57:35
